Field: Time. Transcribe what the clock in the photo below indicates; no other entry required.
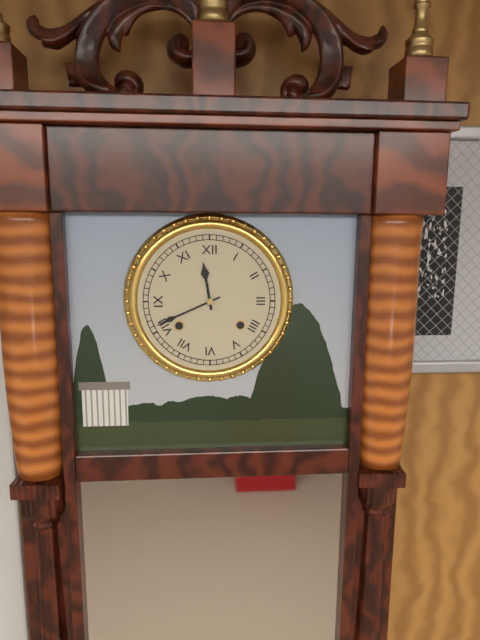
11:41
